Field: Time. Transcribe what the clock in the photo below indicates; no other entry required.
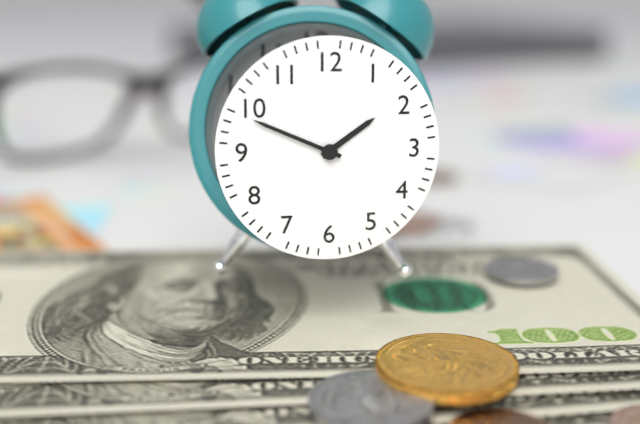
1:49
